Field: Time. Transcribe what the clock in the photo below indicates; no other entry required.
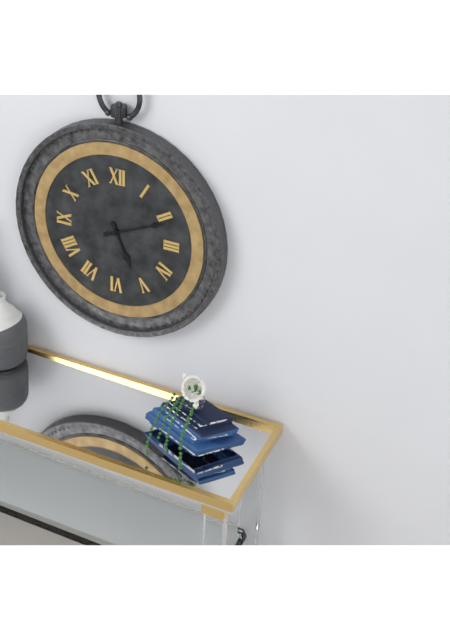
5:11
